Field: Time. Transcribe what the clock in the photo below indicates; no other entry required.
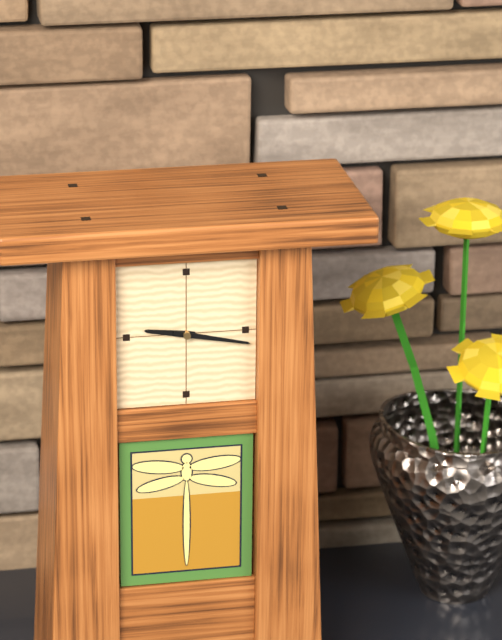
9:17
